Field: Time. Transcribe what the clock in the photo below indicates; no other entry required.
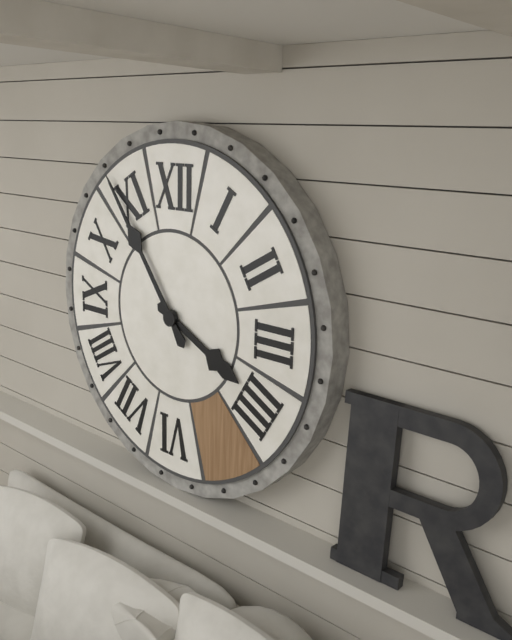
3:54
